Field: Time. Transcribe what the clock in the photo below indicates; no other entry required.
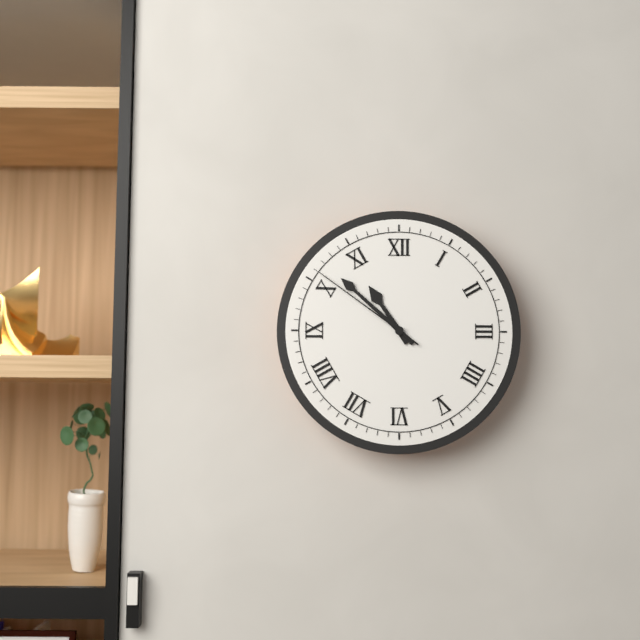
10:52:51
